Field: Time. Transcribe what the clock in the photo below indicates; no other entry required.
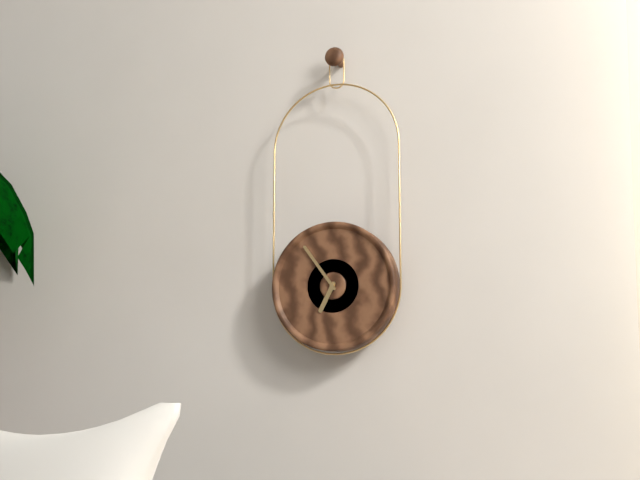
6:54
